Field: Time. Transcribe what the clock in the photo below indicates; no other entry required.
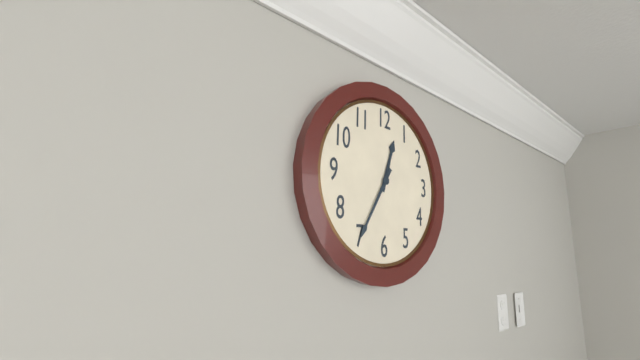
12:35
